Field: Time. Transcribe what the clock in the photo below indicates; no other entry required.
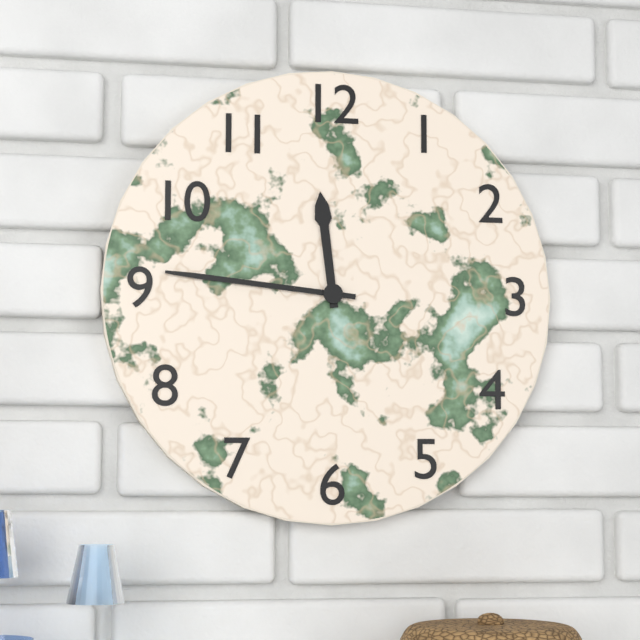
11:46
